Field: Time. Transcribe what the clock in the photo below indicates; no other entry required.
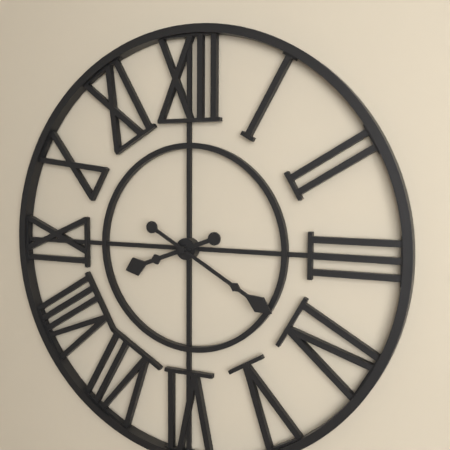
8:20
